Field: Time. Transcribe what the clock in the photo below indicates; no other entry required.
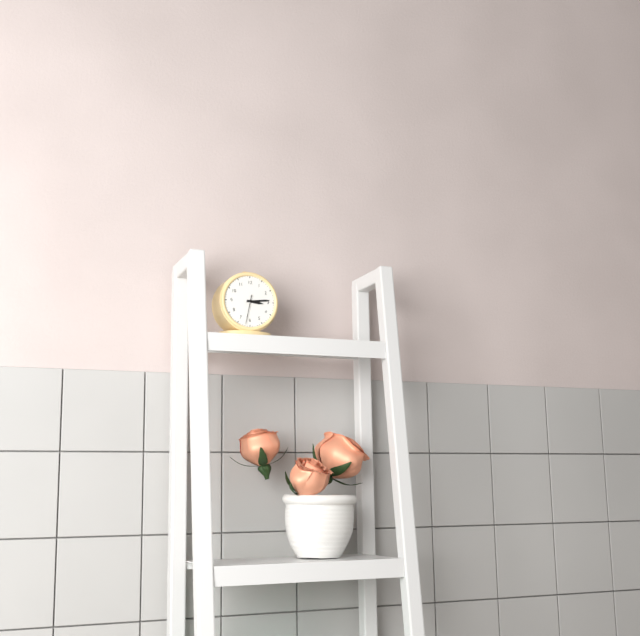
3:14
